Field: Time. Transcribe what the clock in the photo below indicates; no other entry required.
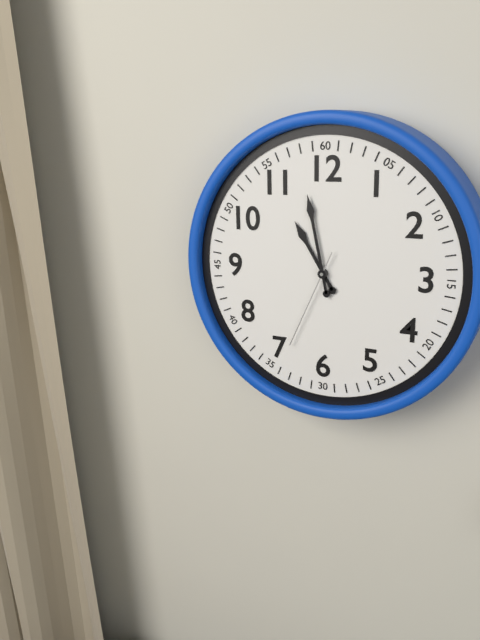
10:58:34
